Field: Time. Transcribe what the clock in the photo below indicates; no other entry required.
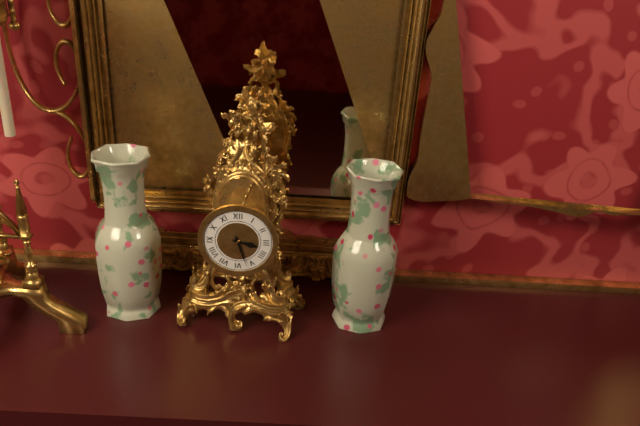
3:27
